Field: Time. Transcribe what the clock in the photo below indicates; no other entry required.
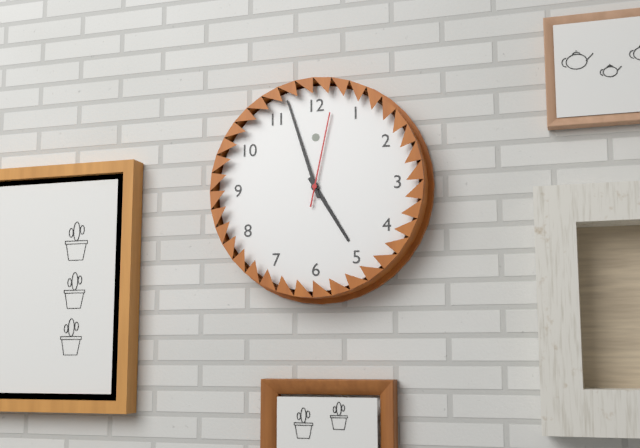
4:57:02
